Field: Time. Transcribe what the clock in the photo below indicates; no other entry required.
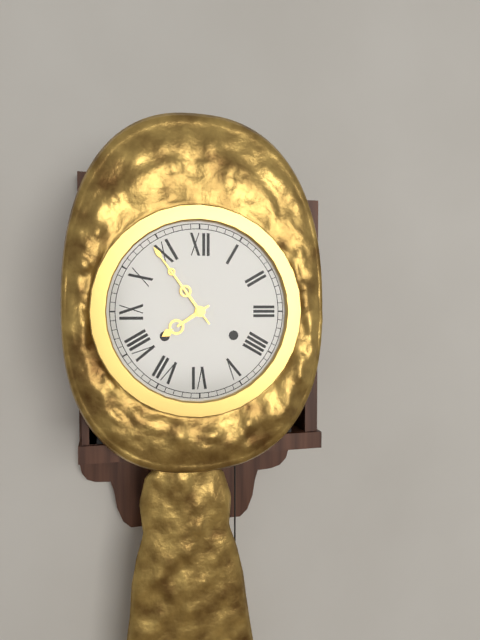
7:54
